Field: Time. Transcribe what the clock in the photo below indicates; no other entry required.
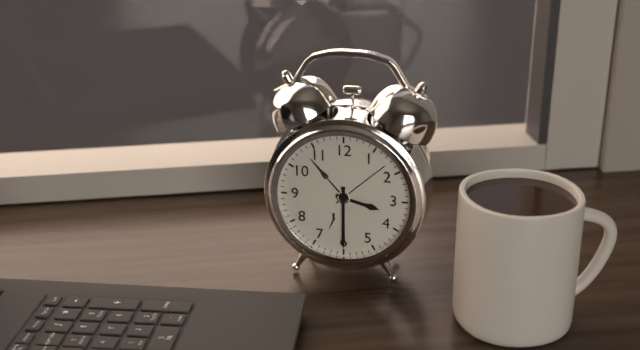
3:30
